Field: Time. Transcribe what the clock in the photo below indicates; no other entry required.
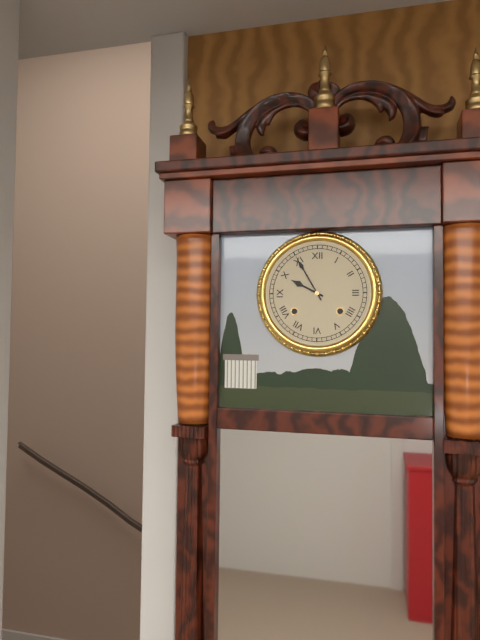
9:55
